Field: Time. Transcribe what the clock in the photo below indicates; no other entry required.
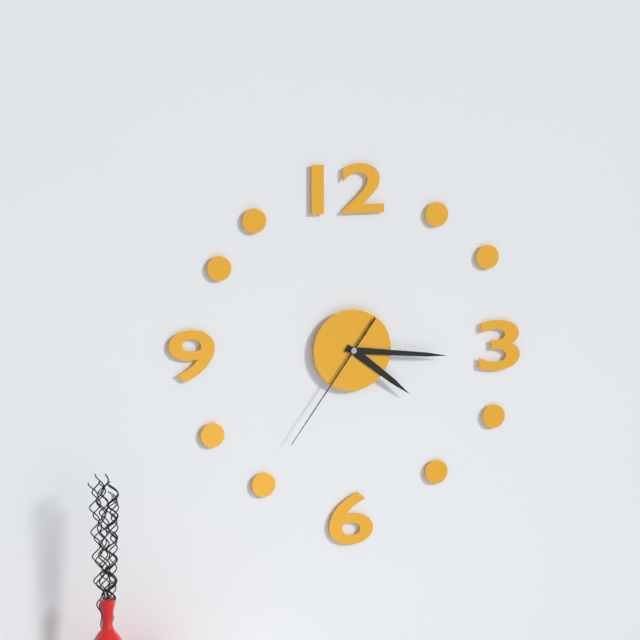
4:16:36
